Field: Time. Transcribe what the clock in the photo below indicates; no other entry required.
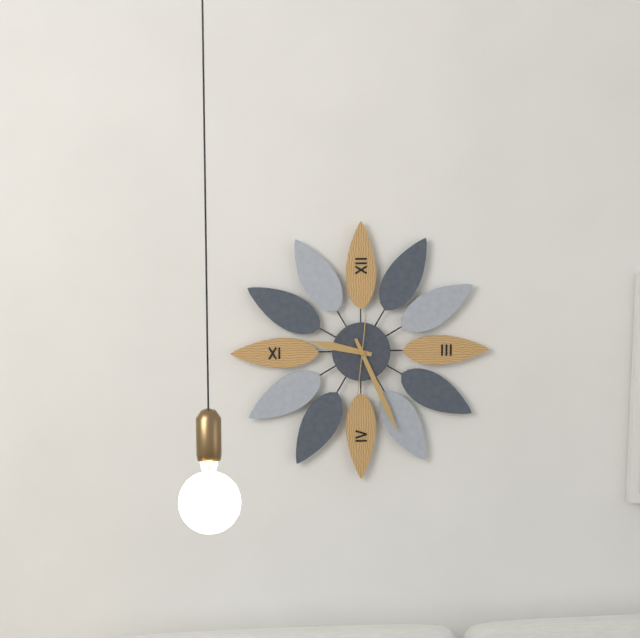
9:26:31
